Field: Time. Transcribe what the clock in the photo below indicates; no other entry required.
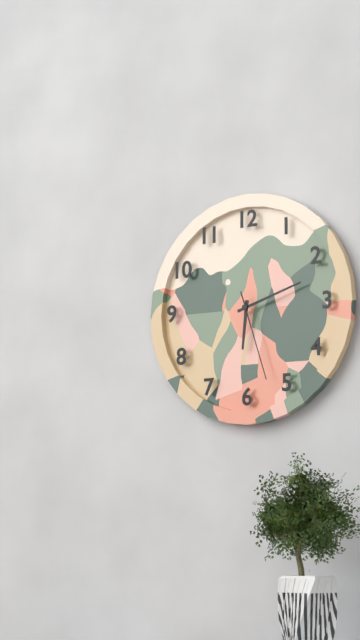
6:12:27
